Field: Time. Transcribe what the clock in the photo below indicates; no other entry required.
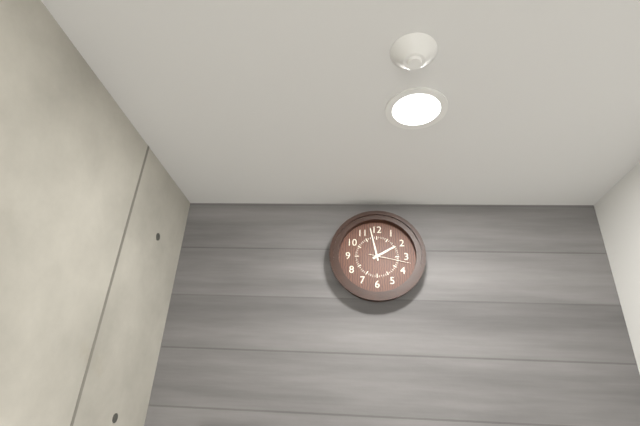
1:58
